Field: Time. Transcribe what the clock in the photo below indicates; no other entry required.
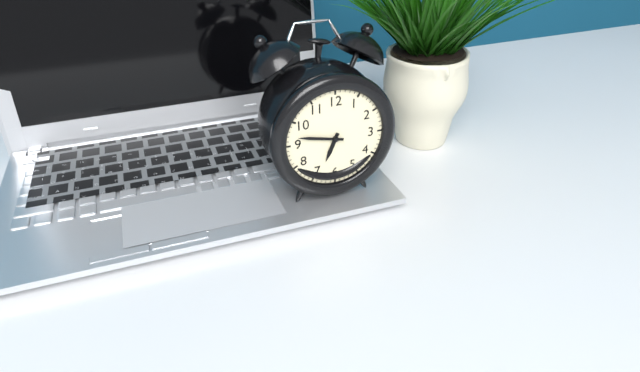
6:47
